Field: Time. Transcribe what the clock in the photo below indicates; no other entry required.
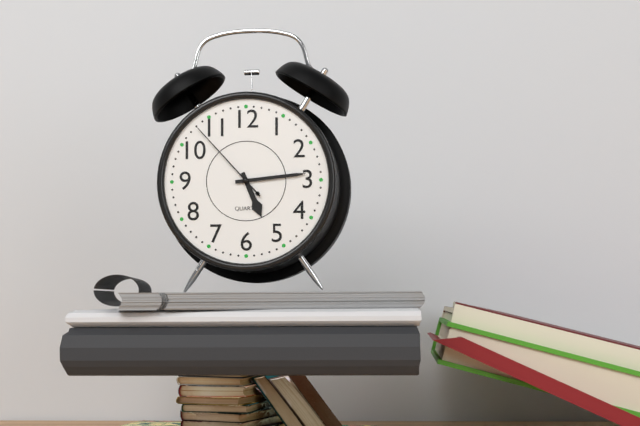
5:14:53
